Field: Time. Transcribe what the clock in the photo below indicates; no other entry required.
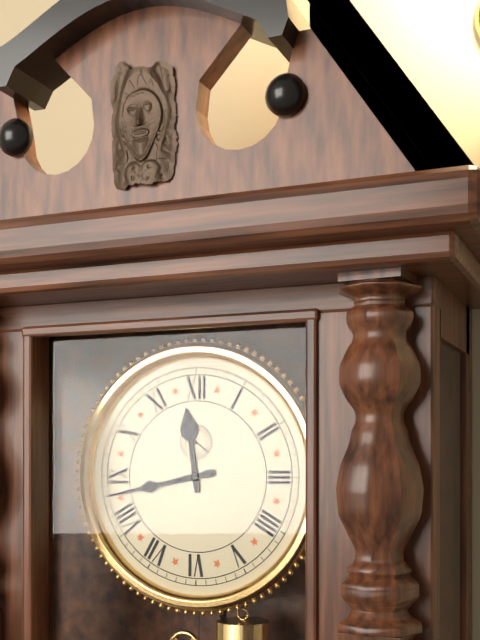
11:43
